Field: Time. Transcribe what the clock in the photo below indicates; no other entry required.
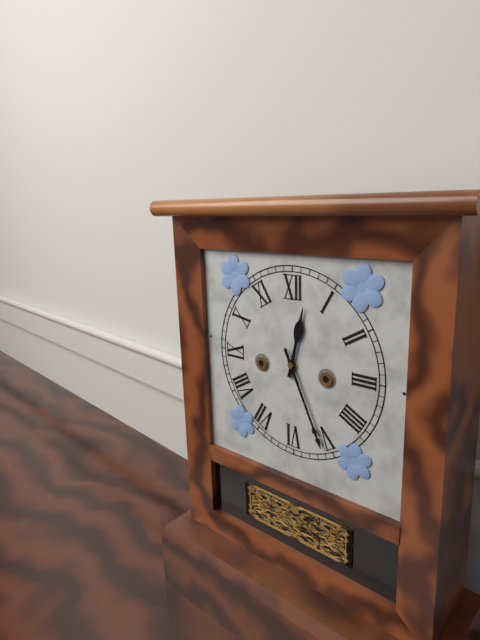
12:26
